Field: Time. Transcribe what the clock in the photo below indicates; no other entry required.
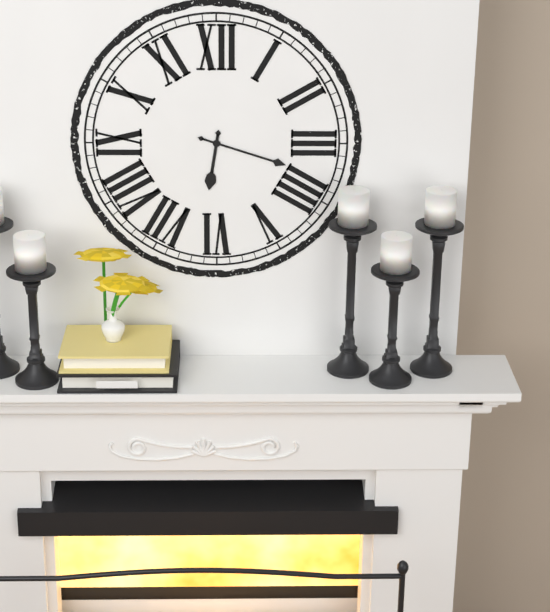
6:18
